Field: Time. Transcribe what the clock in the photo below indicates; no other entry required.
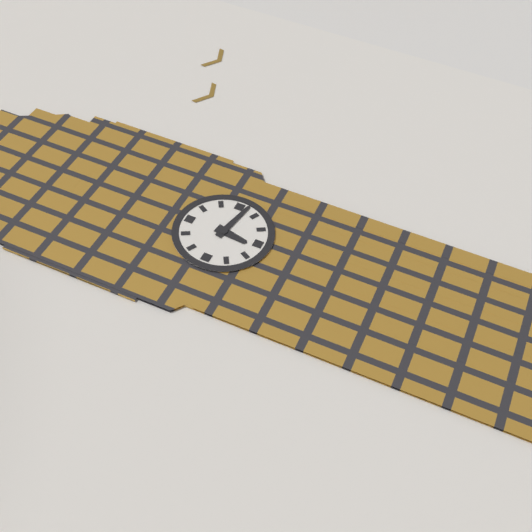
6:17
